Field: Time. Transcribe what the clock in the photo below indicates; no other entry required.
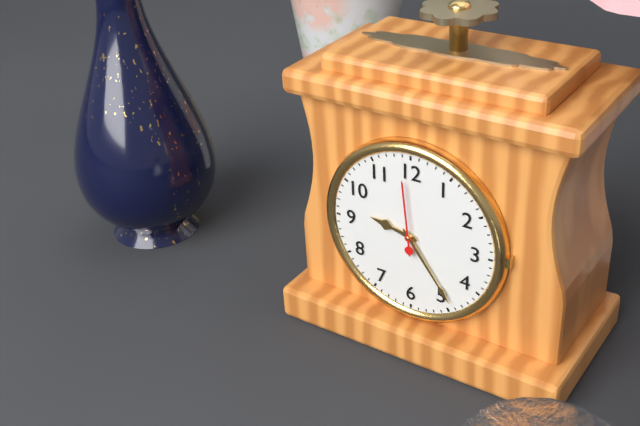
9:24:59
